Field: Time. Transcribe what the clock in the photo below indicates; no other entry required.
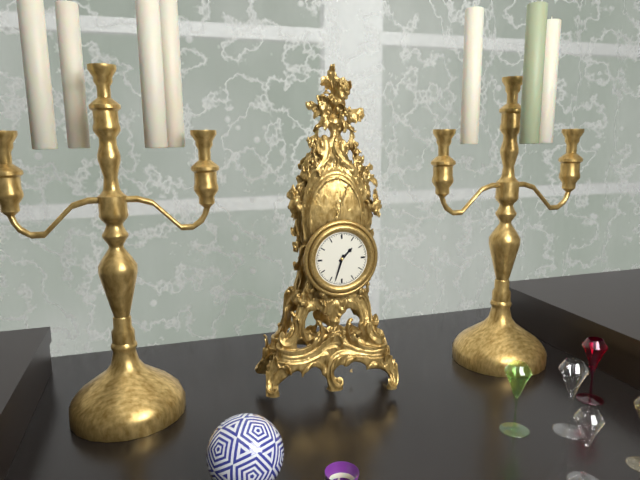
1:33
